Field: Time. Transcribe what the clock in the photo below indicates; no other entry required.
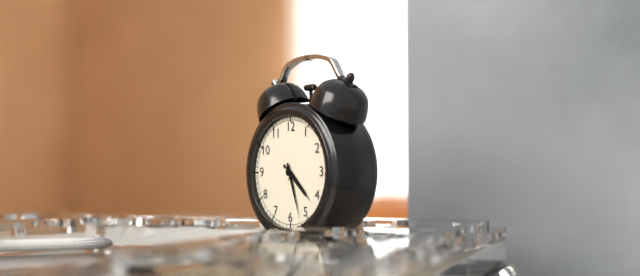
4:27
